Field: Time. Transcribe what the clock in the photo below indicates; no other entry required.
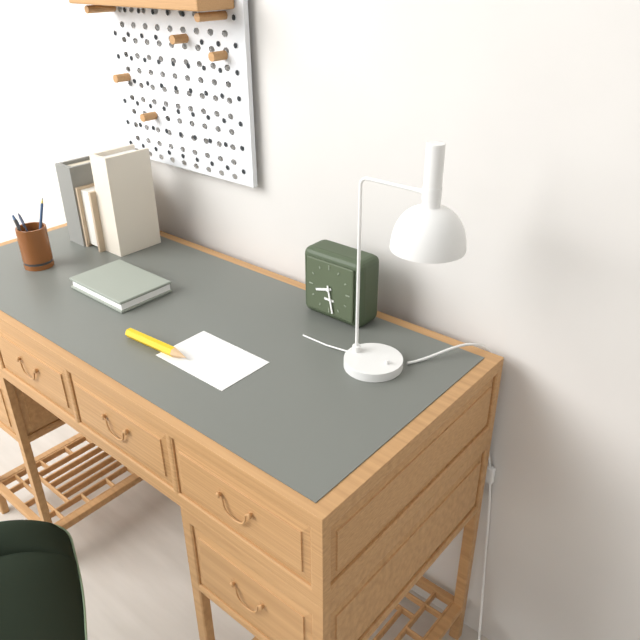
8:28
